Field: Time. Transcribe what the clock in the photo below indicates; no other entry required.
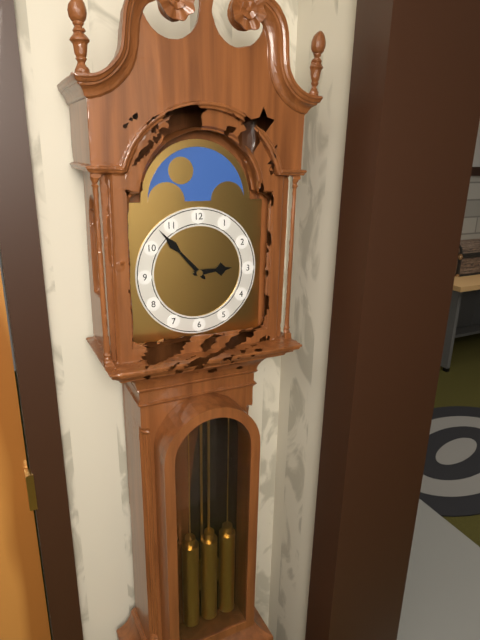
2:53
